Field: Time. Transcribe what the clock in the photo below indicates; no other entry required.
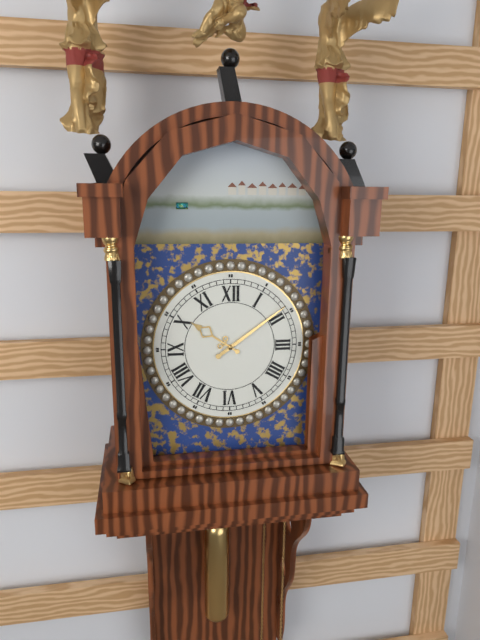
10:09
